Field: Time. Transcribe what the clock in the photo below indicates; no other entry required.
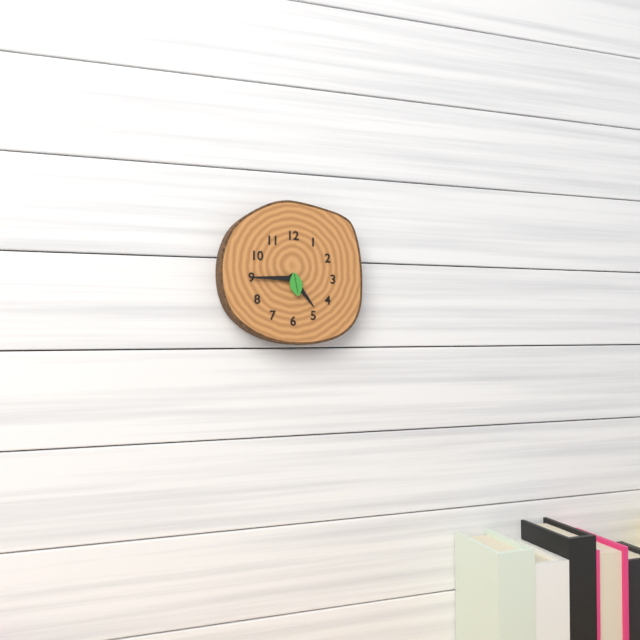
4:45
